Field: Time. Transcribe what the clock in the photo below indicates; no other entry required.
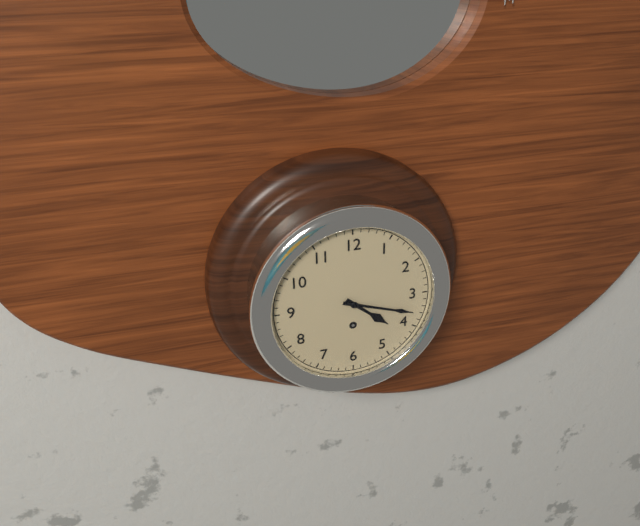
4:18
